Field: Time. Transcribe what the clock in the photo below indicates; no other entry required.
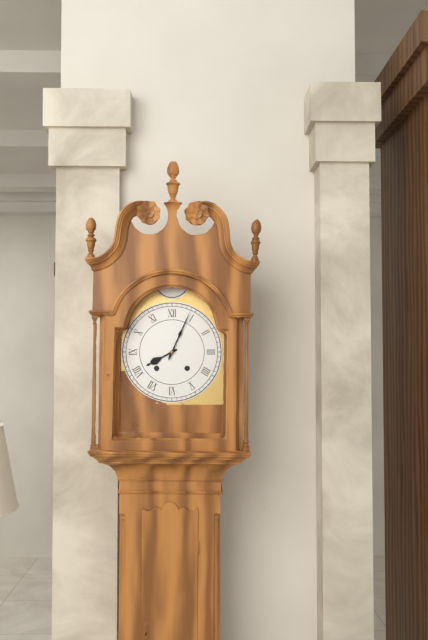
8:04
